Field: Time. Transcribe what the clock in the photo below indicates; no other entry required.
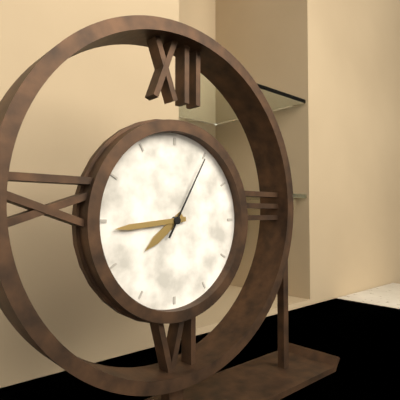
7:44:05
